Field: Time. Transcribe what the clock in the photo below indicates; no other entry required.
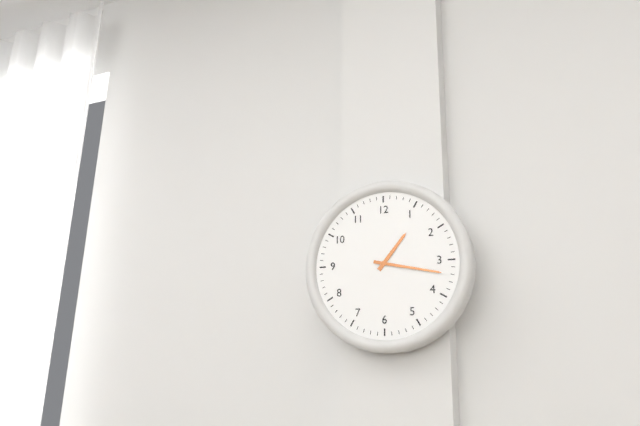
1:17
